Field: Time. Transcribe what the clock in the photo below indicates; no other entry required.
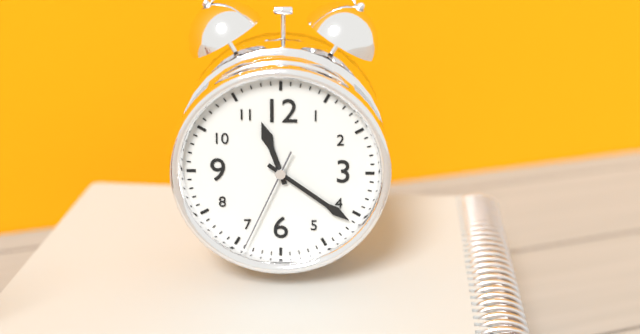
11:21:34
